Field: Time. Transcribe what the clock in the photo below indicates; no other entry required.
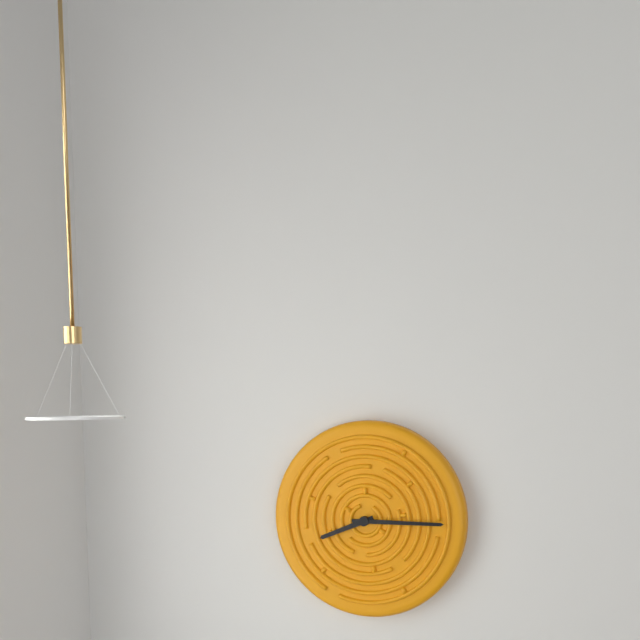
8:15
